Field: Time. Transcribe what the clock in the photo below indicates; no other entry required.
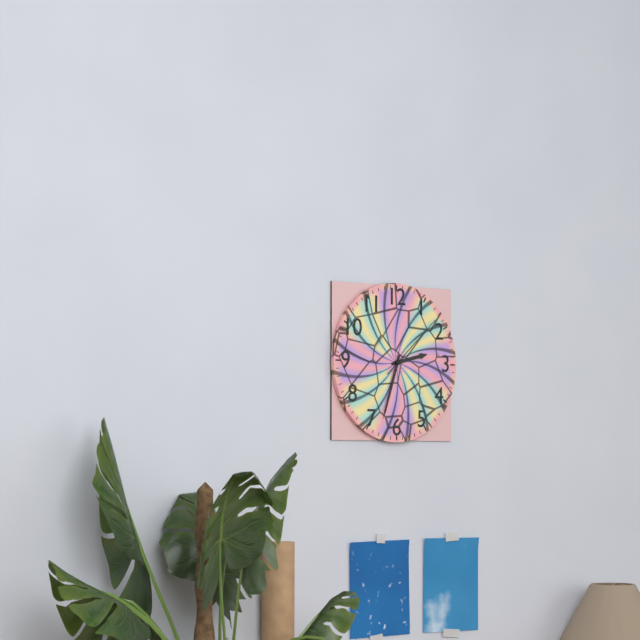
2:33:08
